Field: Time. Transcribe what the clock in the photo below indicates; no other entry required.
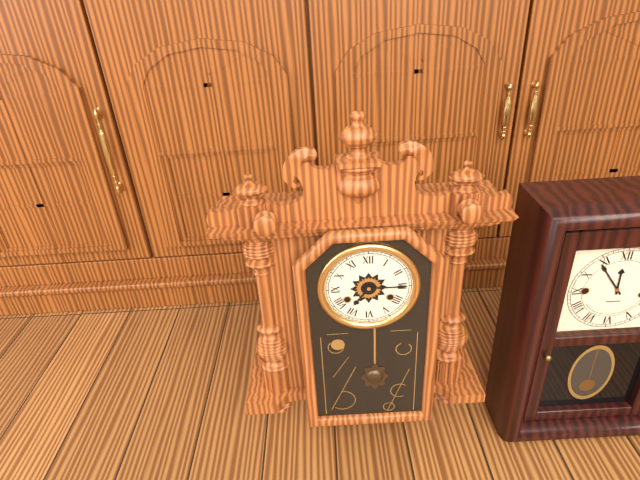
7:15
